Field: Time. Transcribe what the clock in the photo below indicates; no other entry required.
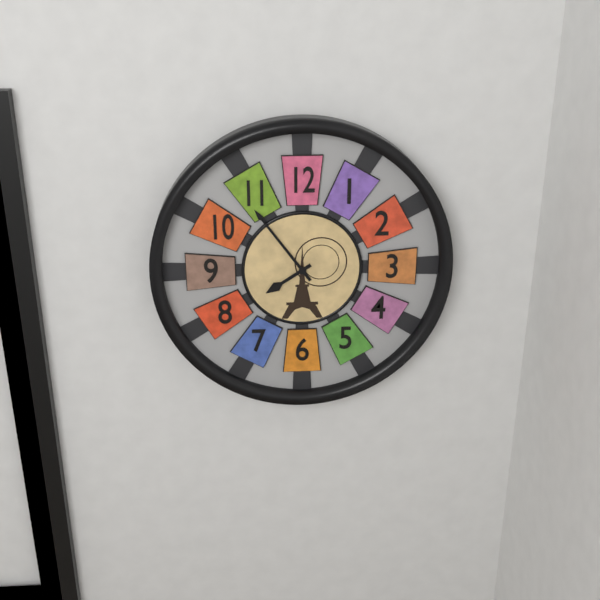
7:54
